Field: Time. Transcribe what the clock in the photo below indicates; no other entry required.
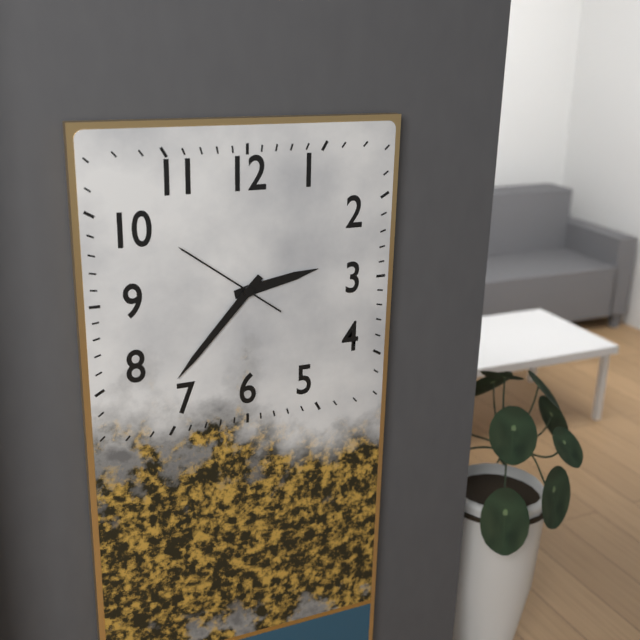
2:37:51
